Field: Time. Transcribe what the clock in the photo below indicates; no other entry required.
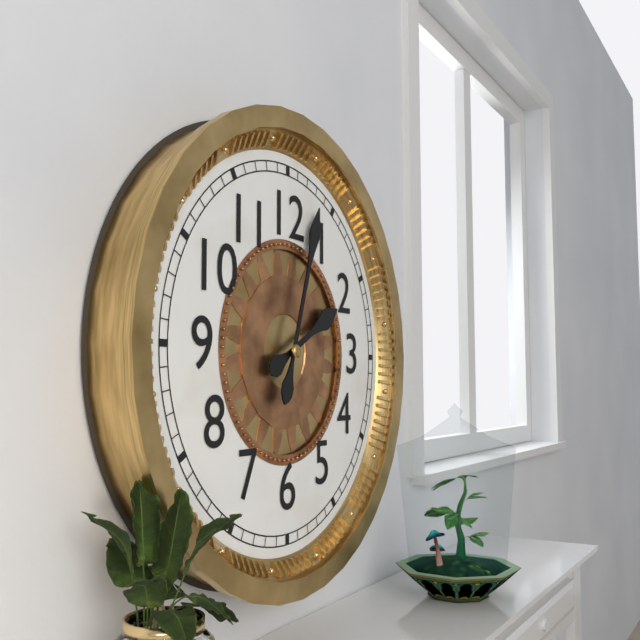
2:03
